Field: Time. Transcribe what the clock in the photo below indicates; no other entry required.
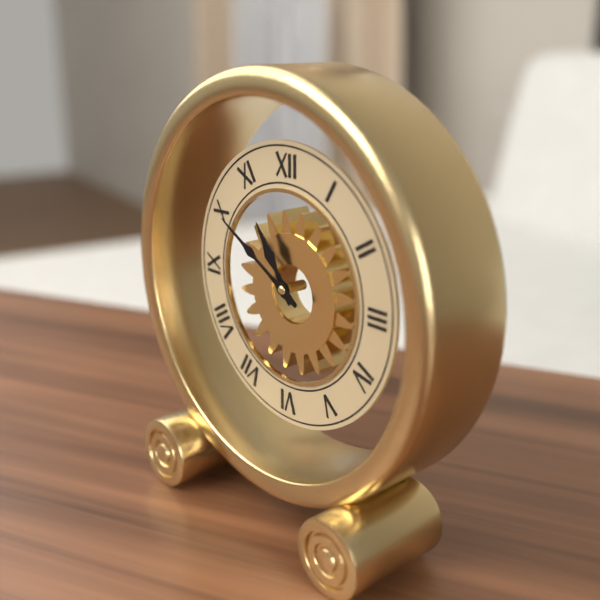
10:50
